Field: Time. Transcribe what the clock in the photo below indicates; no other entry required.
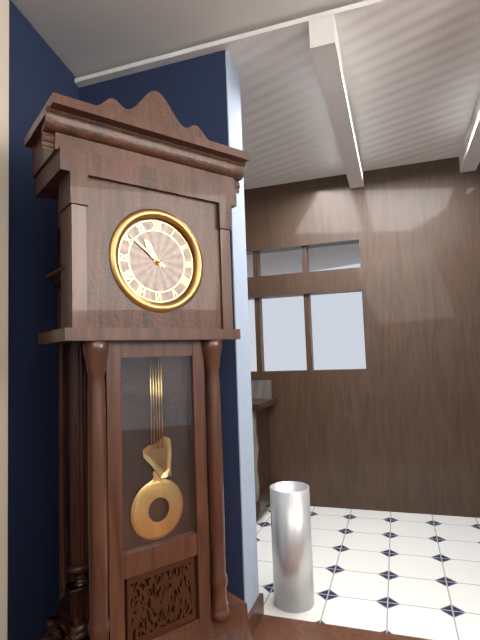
10:51
